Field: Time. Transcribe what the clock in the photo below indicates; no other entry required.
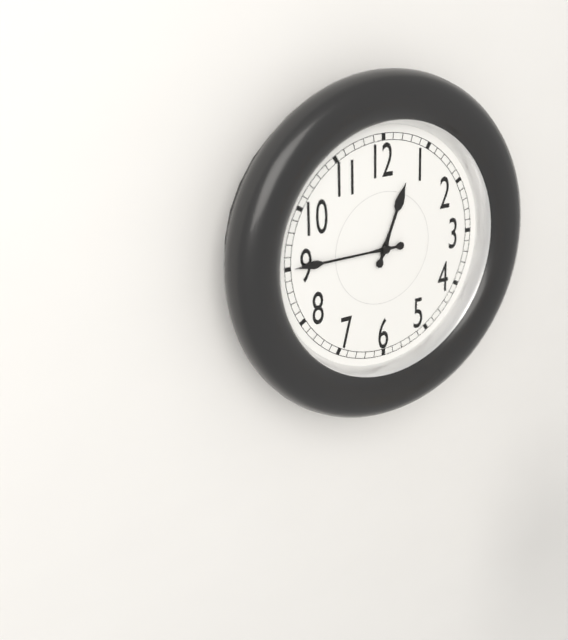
12:45
